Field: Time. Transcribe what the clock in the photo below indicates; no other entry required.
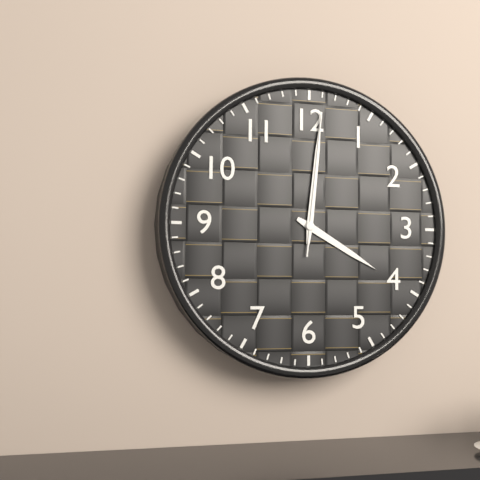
4:01:01
